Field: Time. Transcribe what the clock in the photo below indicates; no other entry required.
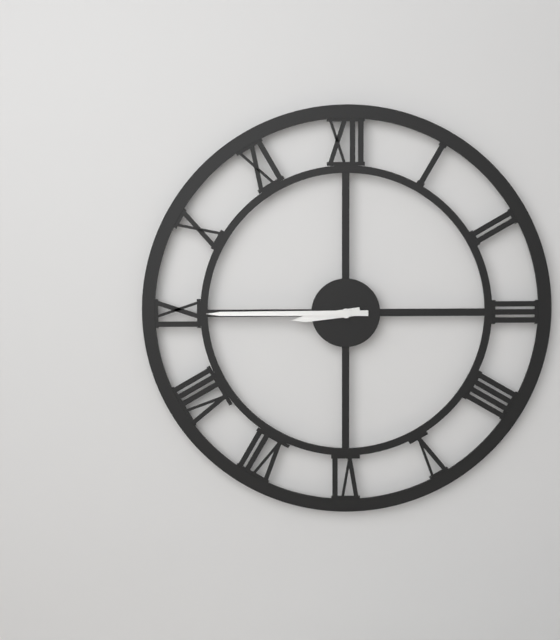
8:45
